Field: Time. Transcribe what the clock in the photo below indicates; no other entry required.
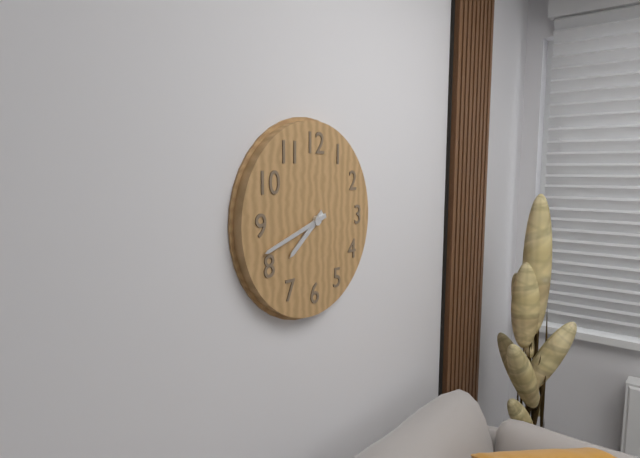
7:42
